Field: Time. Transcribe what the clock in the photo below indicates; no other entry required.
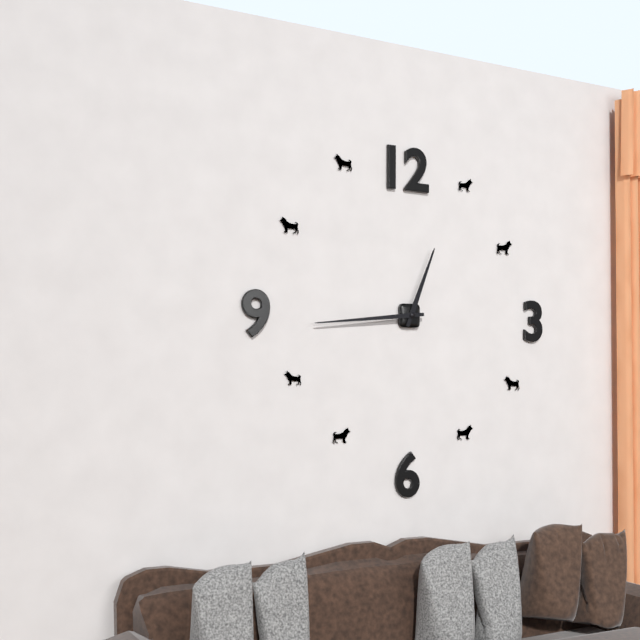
12:44
